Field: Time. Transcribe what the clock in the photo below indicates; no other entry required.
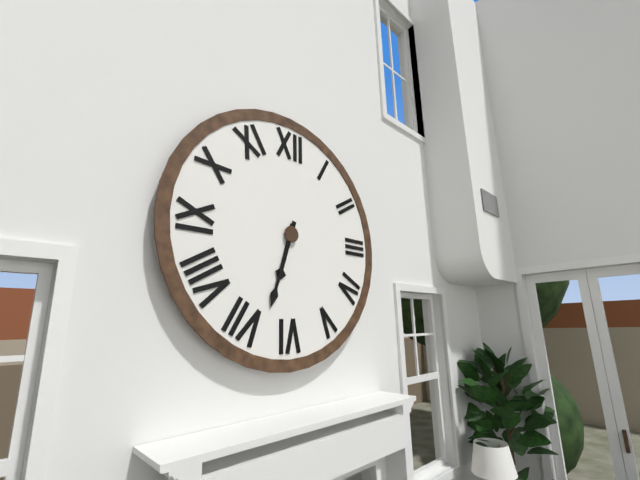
6:33
